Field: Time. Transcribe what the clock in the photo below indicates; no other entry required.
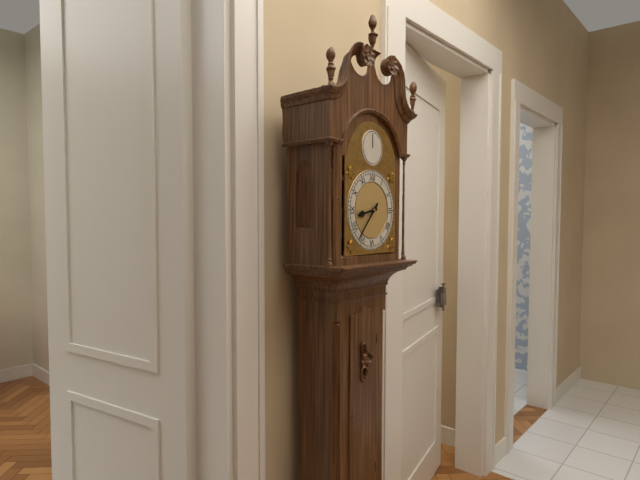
8:37
